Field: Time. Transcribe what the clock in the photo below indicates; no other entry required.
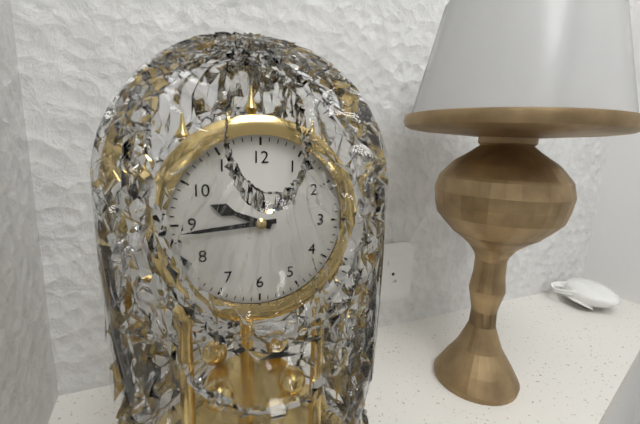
9:44
